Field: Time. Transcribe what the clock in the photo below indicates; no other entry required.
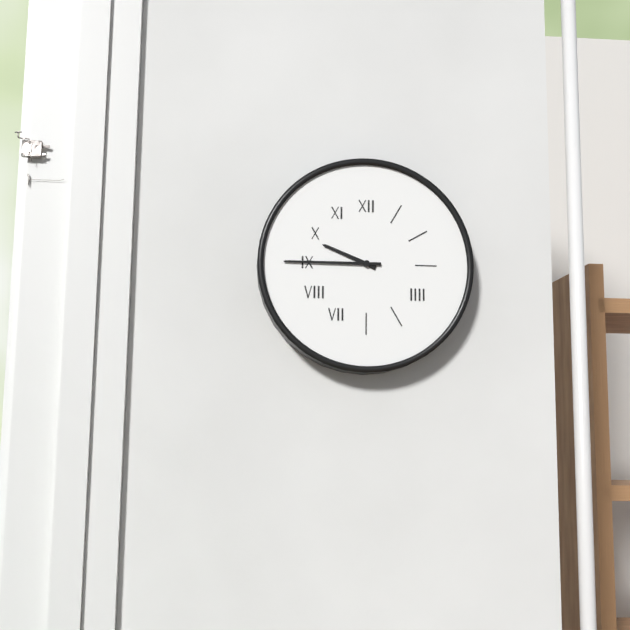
9:45
